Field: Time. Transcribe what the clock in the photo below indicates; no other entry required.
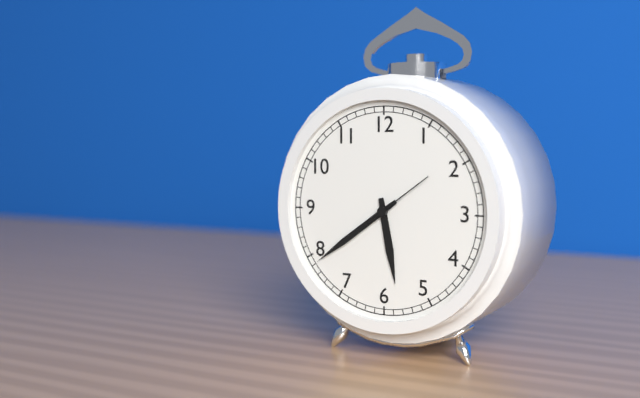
5:39:09
